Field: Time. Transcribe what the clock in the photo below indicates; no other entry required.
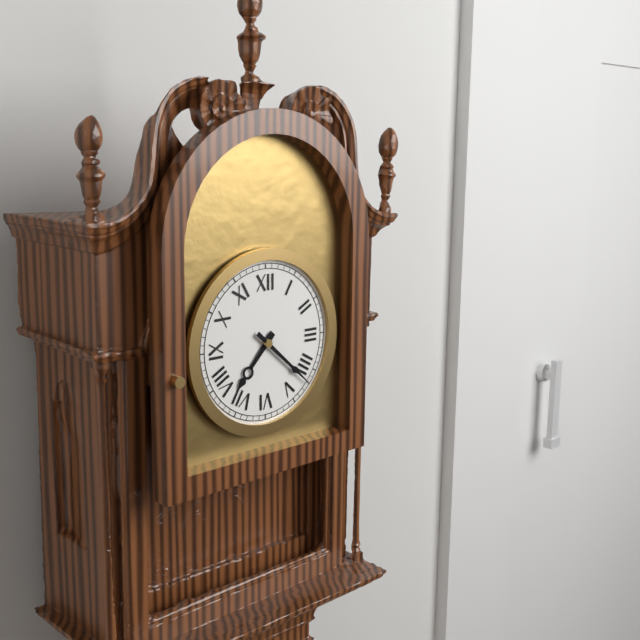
7:22
